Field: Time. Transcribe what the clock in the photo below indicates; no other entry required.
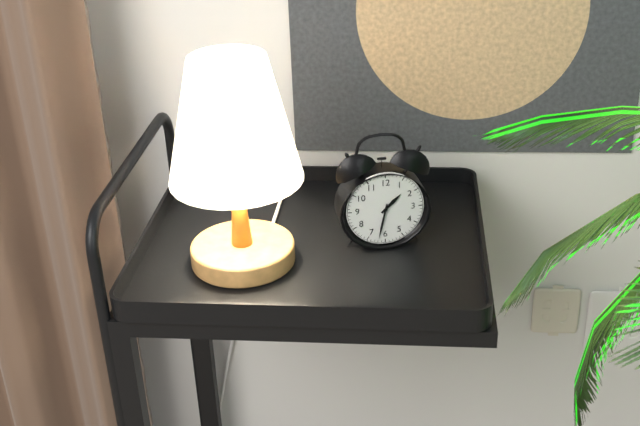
1:32
